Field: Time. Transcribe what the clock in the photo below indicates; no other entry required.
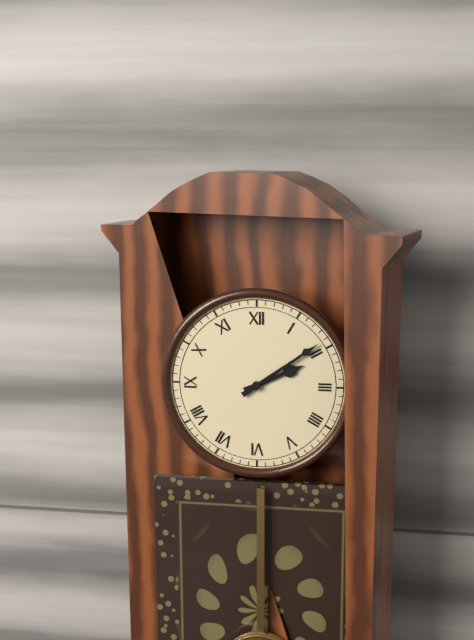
2:09
